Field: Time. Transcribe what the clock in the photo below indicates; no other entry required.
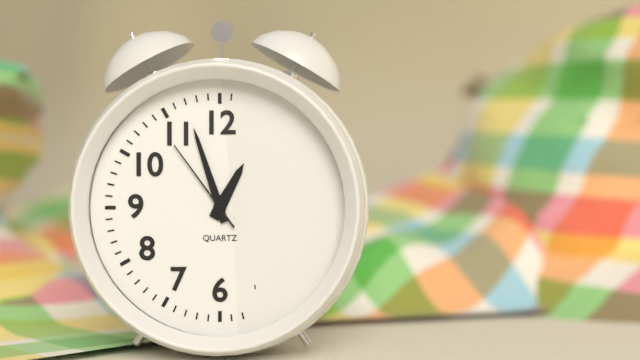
12:57:54
